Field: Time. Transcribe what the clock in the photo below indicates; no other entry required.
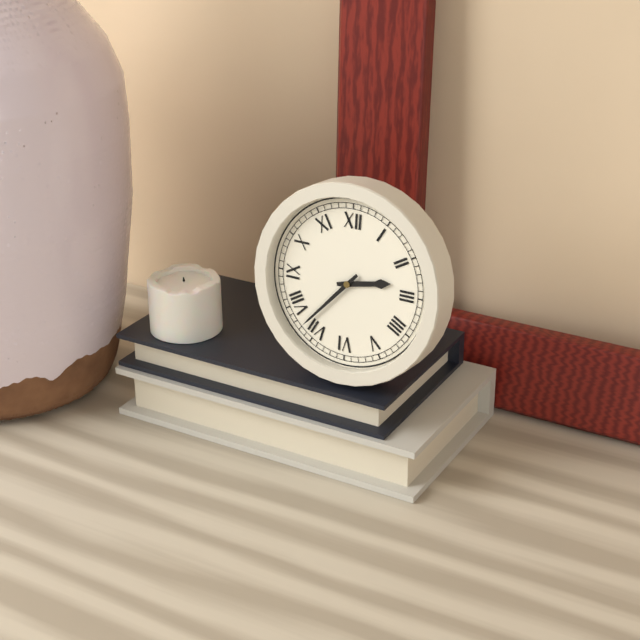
2:37
